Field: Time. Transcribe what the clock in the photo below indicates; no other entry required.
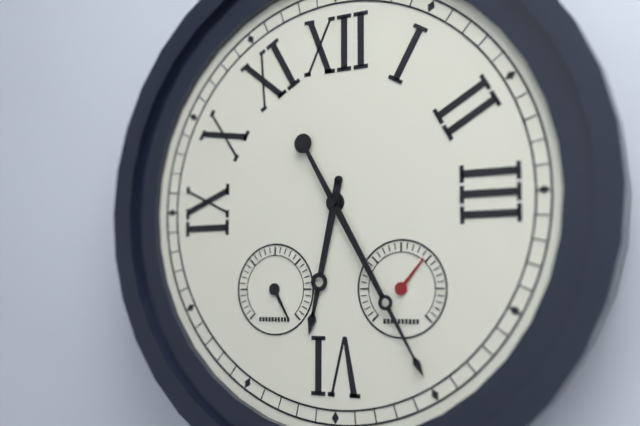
6:25
